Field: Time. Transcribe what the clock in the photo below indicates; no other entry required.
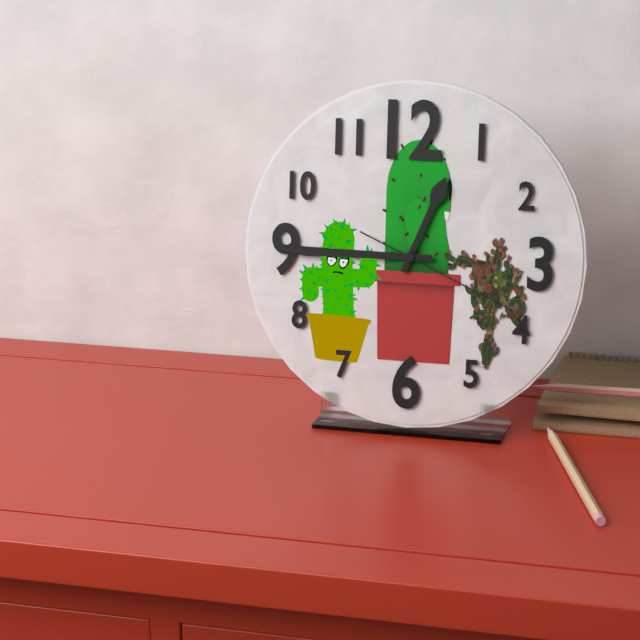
12:45:19
